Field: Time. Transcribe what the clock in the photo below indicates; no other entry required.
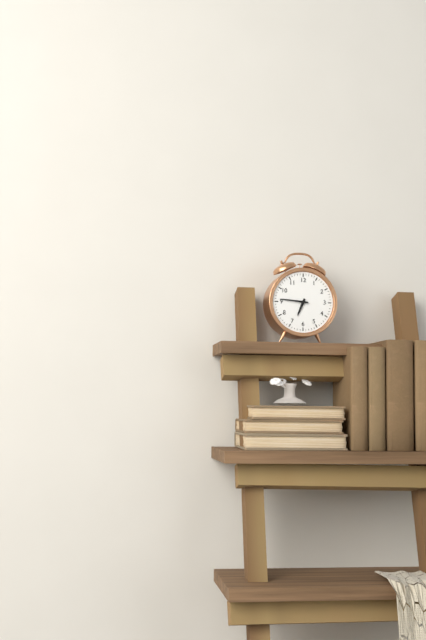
6:46
